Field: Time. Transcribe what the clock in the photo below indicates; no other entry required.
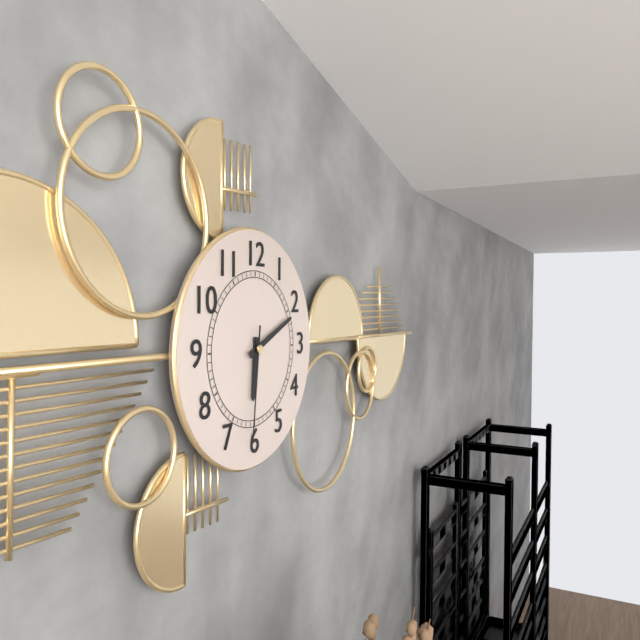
6:11:31
